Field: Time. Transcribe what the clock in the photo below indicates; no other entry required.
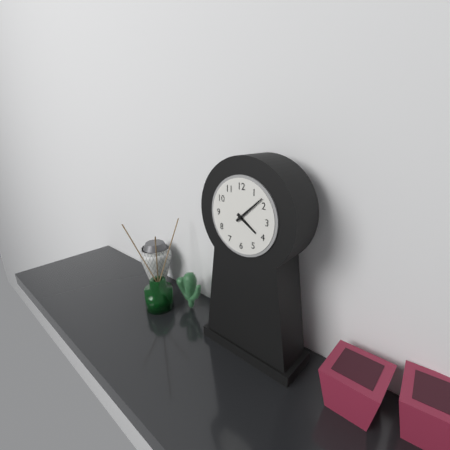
4:08
